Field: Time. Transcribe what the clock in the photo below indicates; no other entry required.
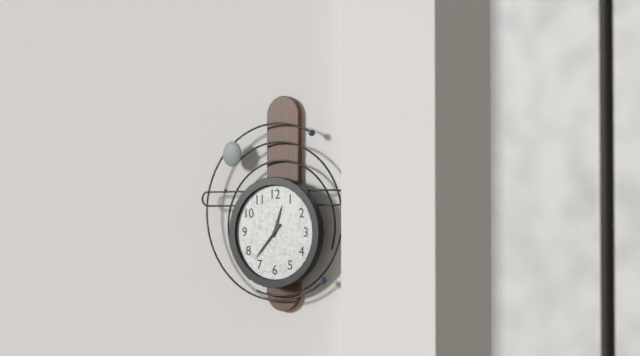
12:37
